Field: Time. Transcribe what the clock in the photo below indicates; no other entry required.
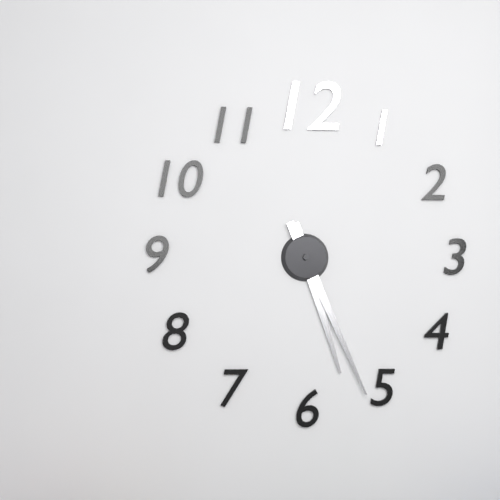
5:26
